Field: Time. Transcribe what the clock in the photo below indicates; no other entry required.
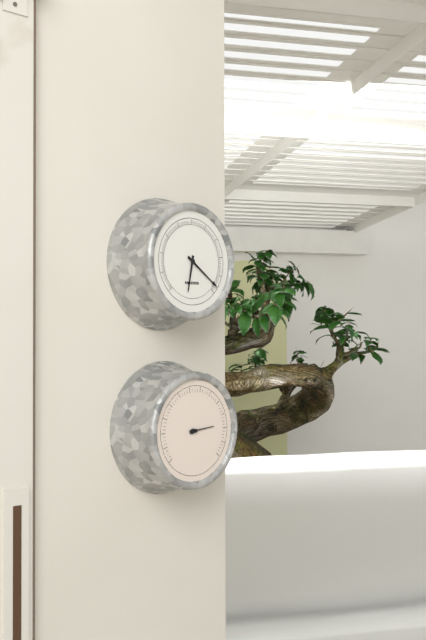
6:21
